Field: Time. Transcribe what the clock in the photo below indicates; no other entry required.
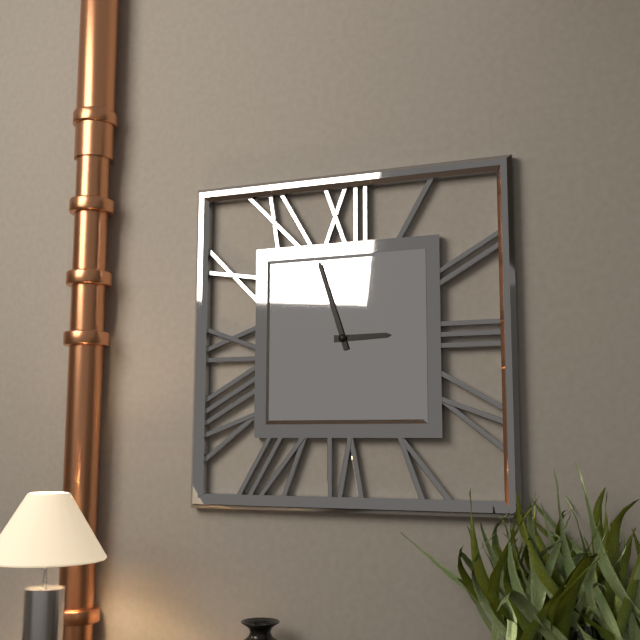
2:57
